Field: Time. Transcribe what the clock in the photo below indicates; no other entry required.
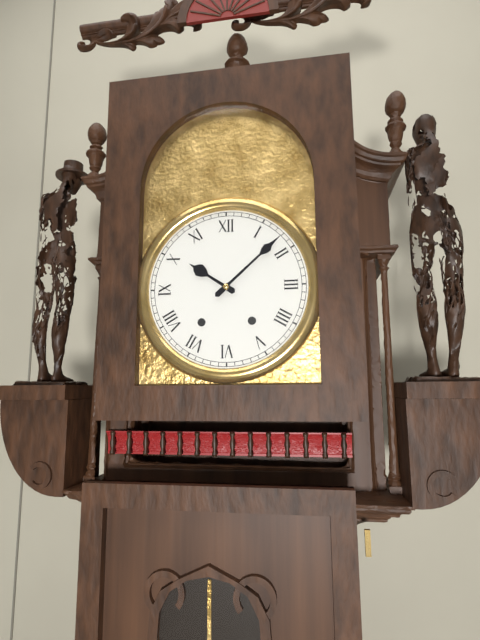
10:08
